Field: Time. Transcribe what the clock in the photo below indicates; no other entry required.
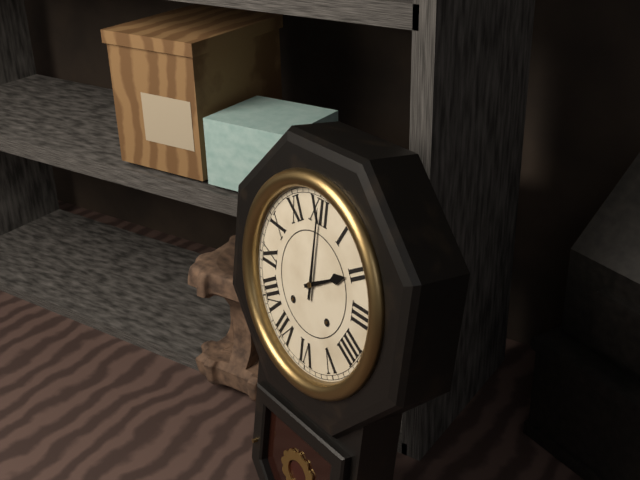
2:00
